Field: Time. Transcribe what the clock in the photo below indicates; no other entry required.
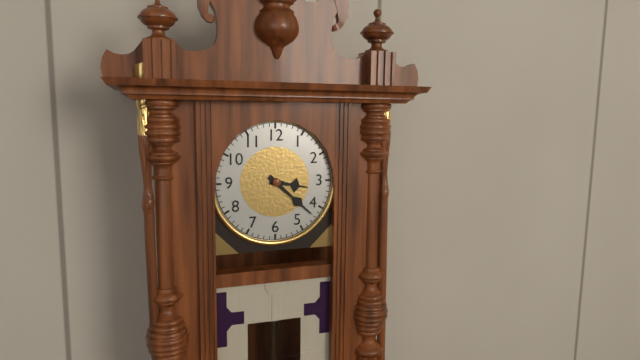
3:22
